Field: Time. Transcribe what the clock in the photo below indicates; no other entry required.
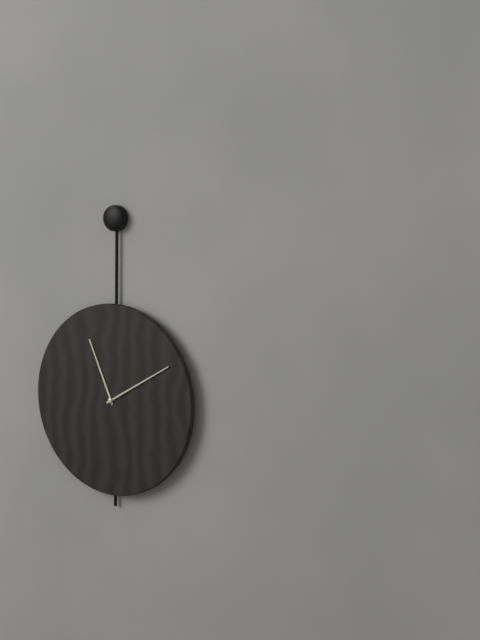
11:10
